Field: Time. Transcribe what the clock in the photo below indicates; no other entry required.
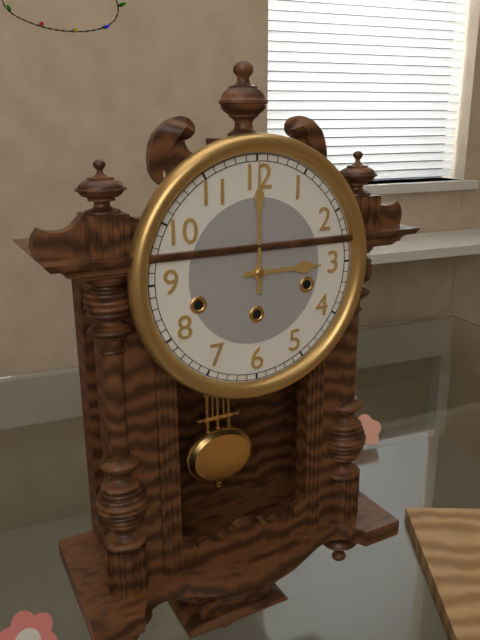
3:00
